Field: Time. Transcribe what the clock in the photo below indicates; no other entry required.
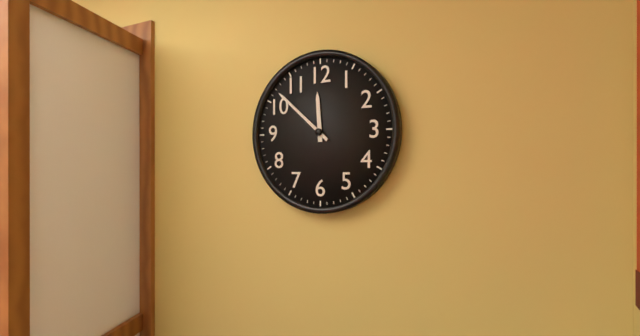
11:52
